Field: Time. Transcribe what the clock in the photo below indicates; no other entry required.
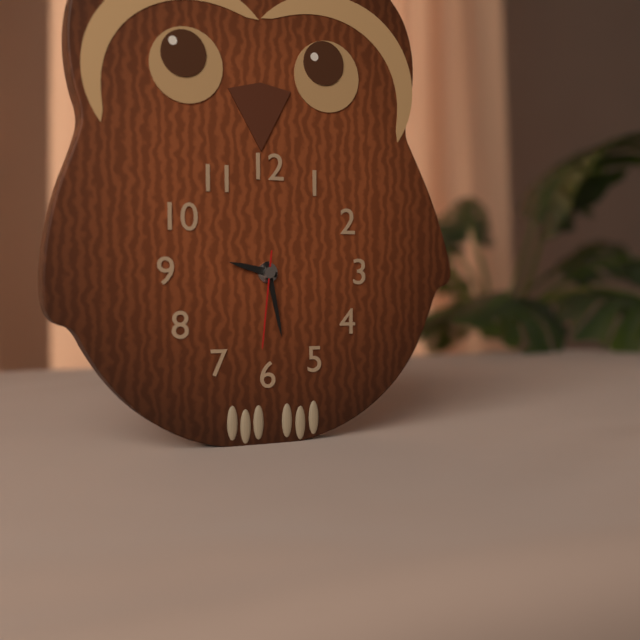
9:28:31
